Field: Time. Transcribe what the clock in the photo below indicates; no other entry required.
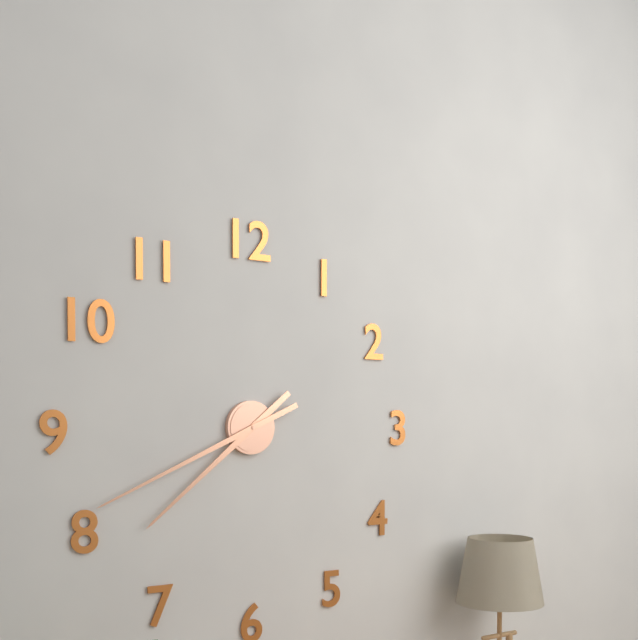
7:41
